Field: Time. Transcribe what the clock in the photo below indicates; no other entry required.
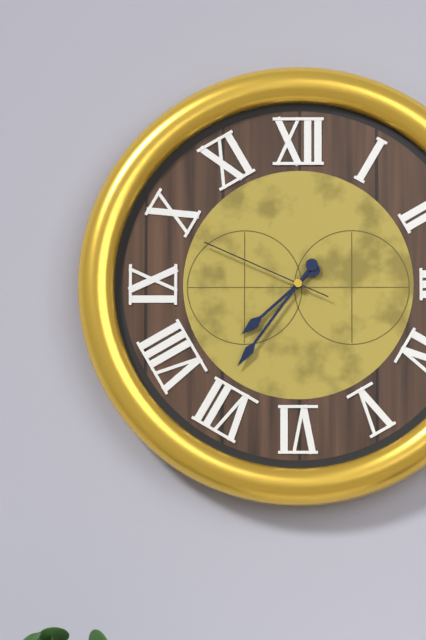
7:36:49
